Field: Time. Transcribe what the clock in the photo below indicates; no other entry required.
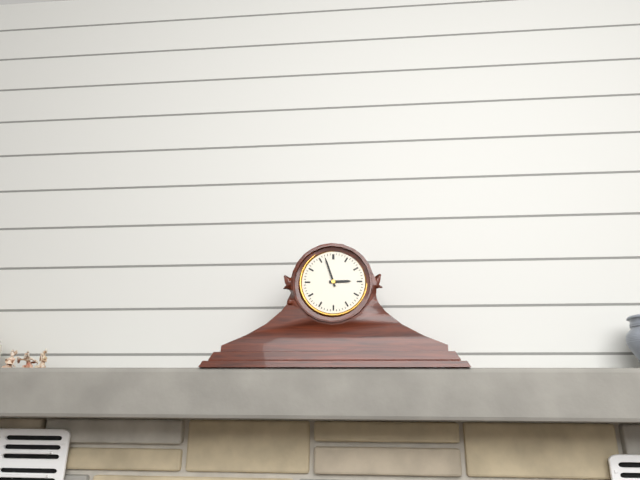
2:57
